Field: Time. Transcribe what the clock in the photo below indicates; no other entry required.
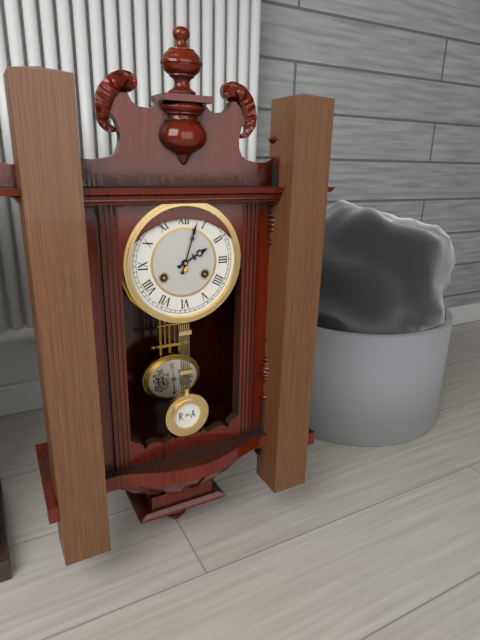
2:03
